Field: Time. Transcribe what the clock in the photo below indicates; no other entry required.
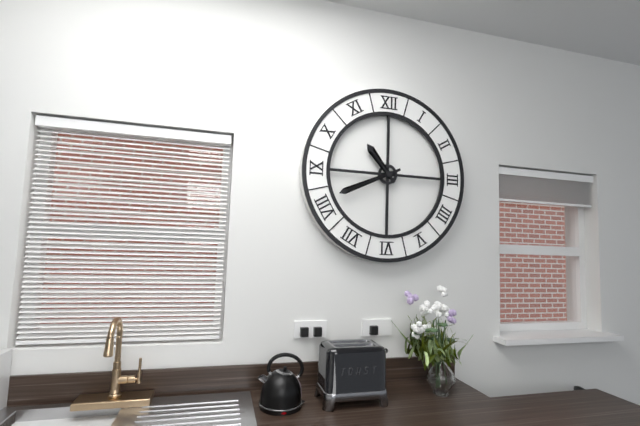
10:41
